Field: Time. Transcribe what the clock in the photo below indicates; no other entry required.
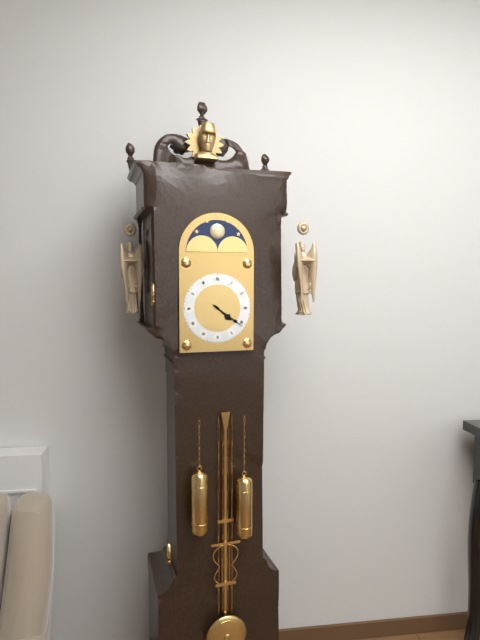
4:21
